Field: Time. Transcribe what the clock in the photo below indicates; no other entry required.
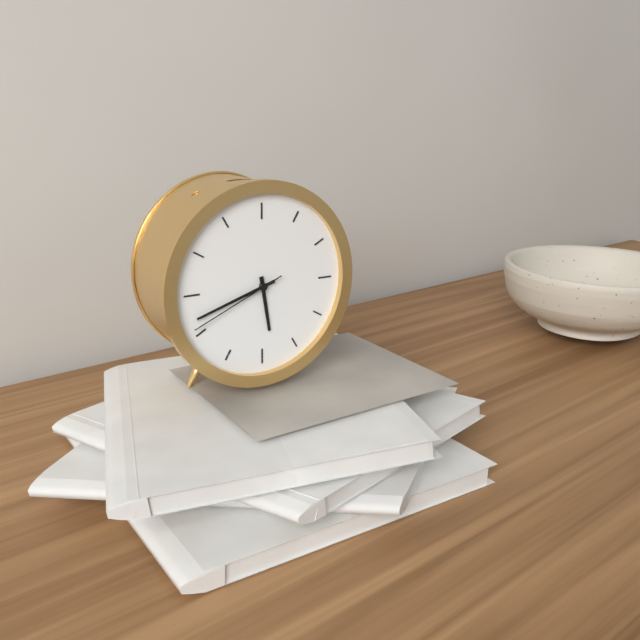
5:42:41
